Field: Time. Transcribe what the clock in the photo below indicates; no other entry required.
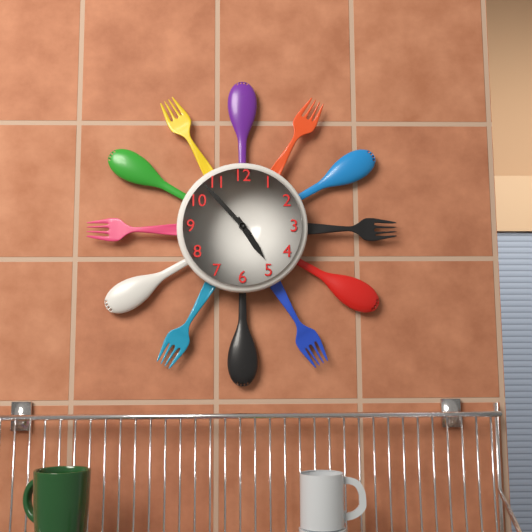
4:53
